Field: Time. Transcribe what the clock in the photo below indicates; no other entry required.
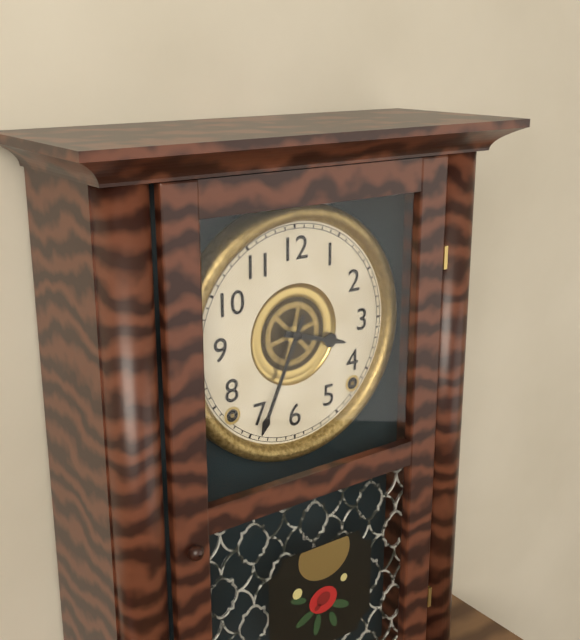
3:34
